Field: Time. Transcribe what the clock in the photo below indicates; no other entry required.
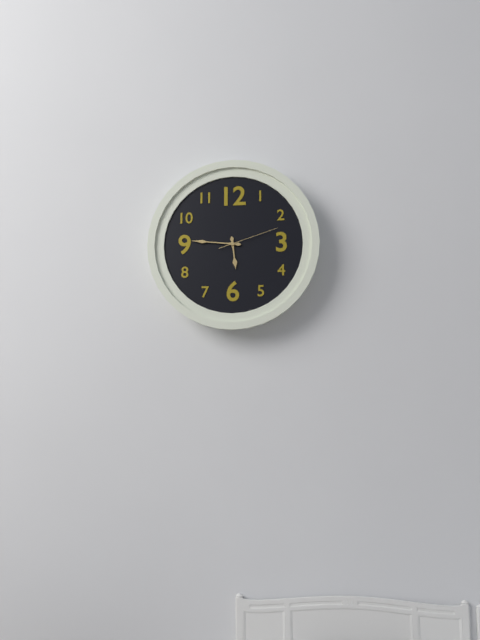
5:46:12
